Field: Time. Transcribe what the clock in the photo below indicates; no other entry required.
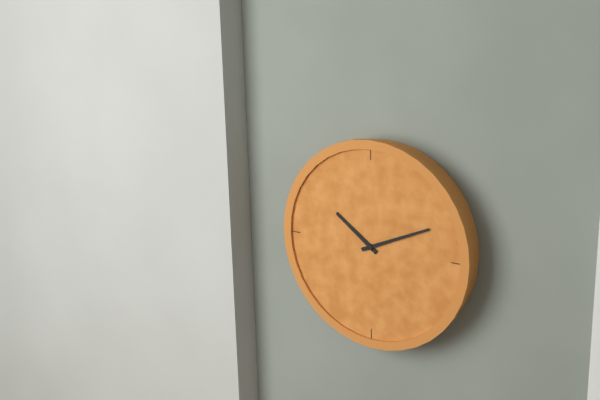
10:11
